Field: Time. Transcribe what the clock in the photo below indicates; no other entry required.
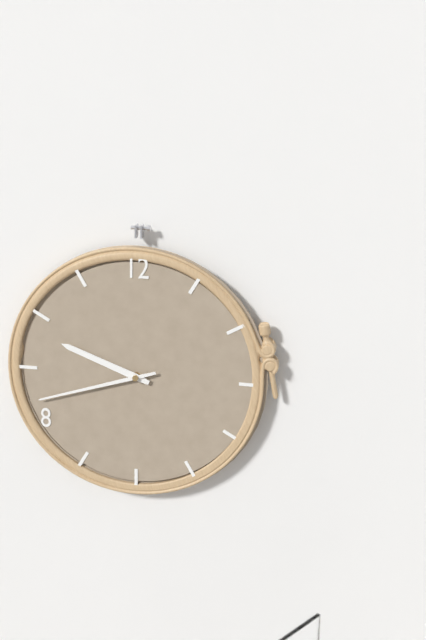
9:42
